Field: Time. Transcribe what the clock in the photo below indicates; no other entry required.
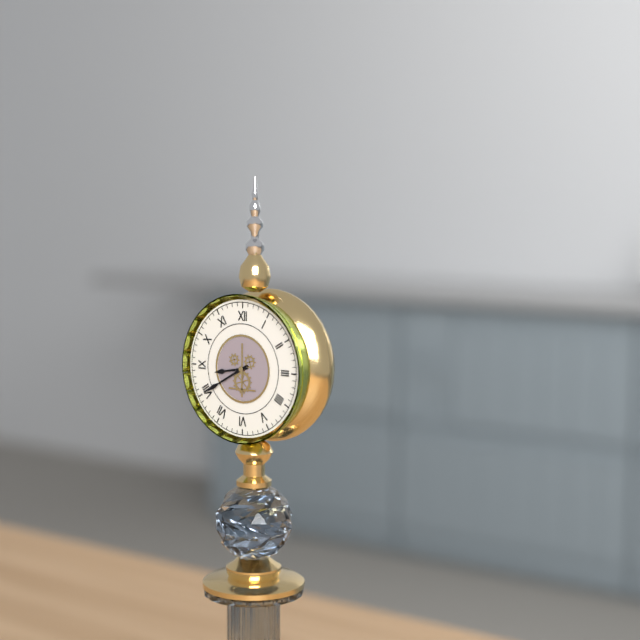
8:40
